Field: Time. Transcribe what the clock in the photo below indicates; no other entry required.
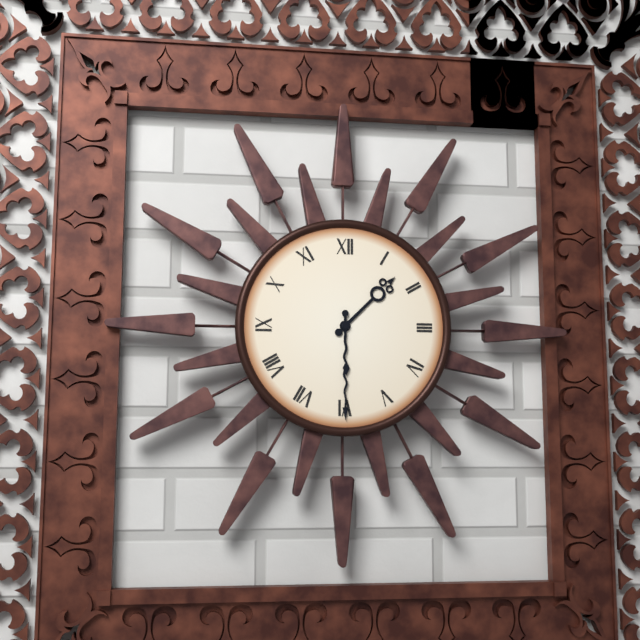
1:30
